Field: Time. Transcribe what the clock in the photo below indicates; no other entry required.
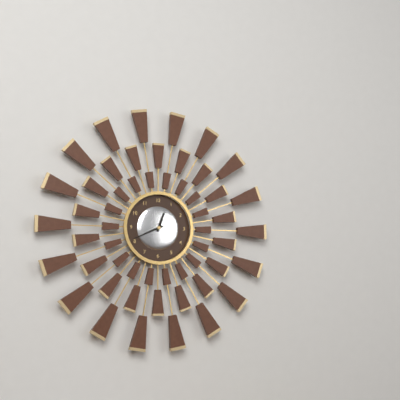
12:41
